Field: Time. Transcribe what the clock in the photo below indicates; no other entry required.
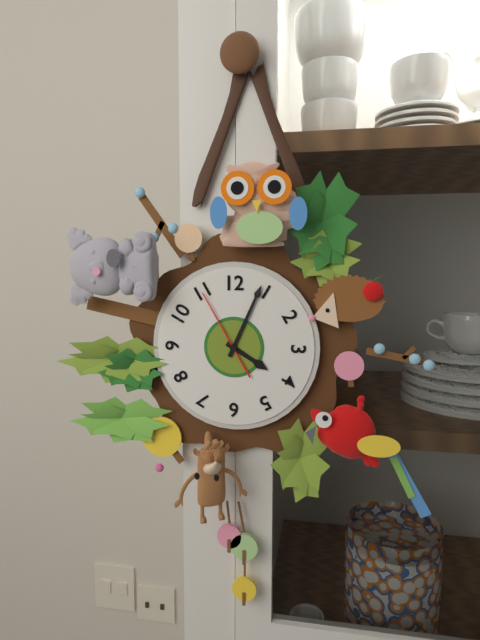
4:04:55
